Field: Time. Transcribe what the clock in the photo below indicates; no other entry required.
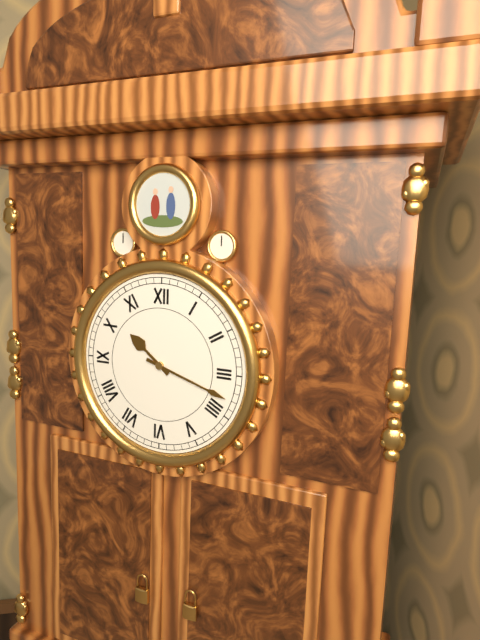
10:18
